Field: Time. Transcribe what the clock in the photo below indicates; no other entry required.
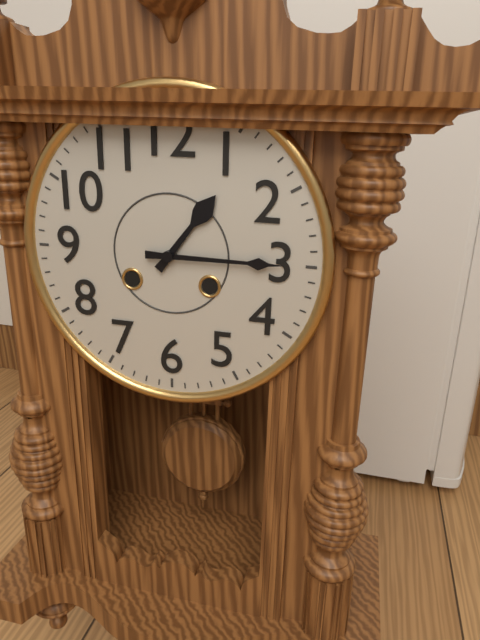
1:15
